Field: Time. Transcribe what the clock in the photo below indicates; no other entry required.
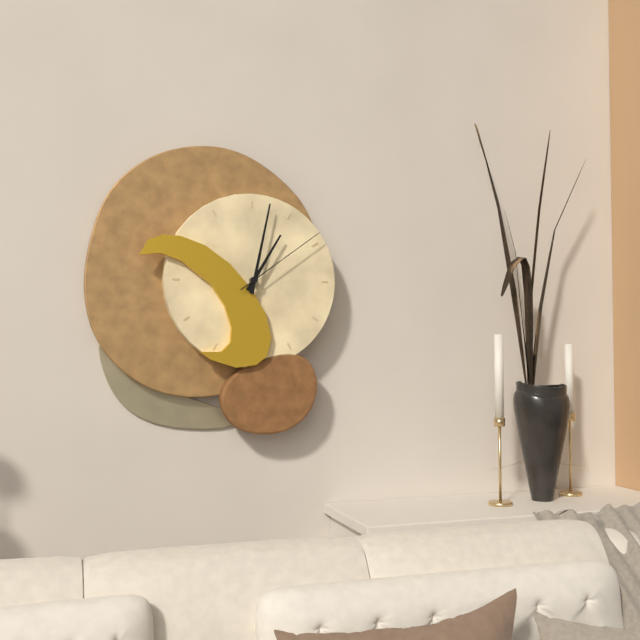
1:02:09
